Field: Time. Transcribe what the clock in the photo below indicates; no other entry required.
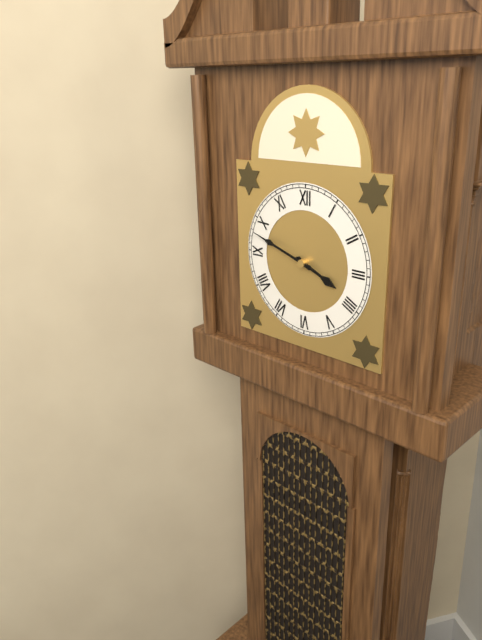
3:48
